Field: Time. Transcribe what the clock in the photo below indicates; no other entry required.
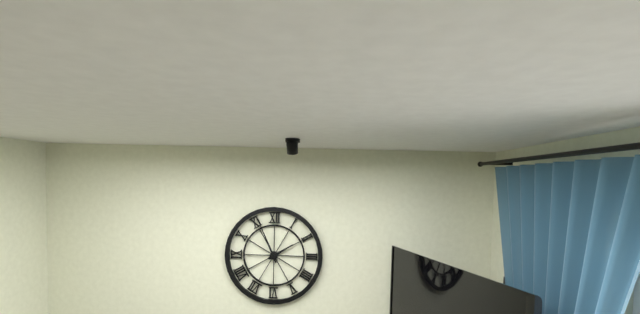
1:56
